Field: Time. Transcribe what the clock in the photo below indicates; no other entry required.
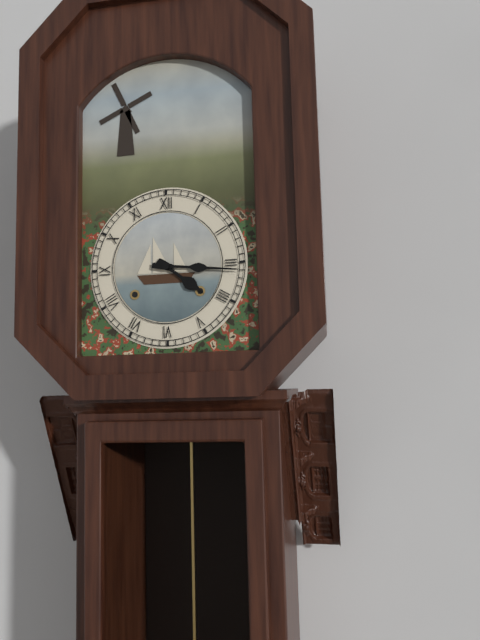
4:16
